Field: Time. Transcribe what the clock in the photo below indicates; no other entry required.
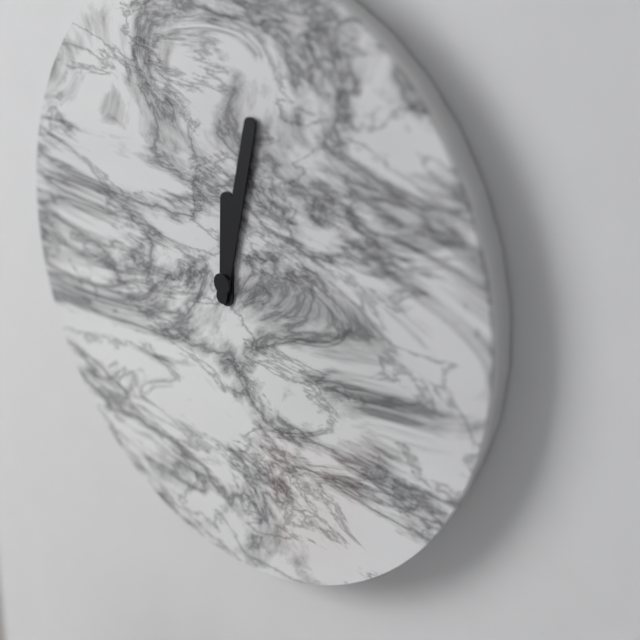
12:02
